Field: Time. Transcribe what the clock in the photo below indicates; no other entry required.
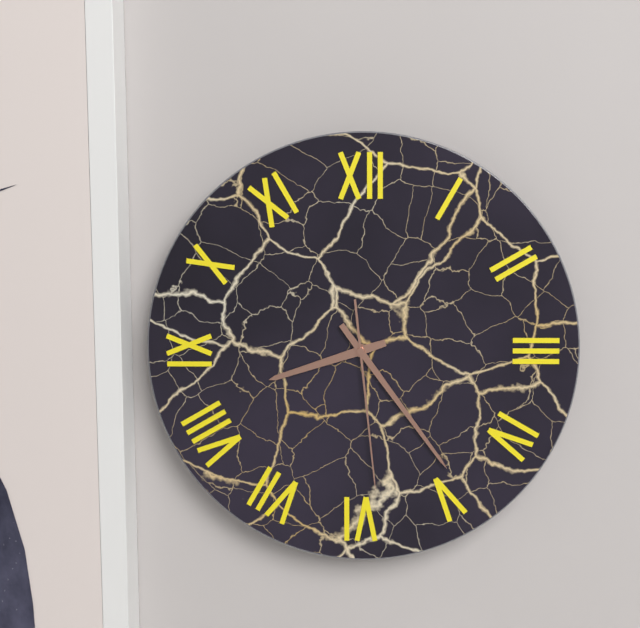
8:24:29
